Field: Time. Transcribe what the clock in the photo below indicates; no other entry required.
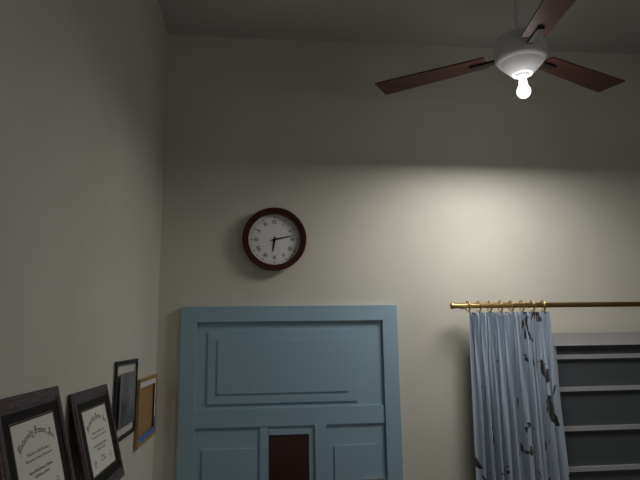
6:13
